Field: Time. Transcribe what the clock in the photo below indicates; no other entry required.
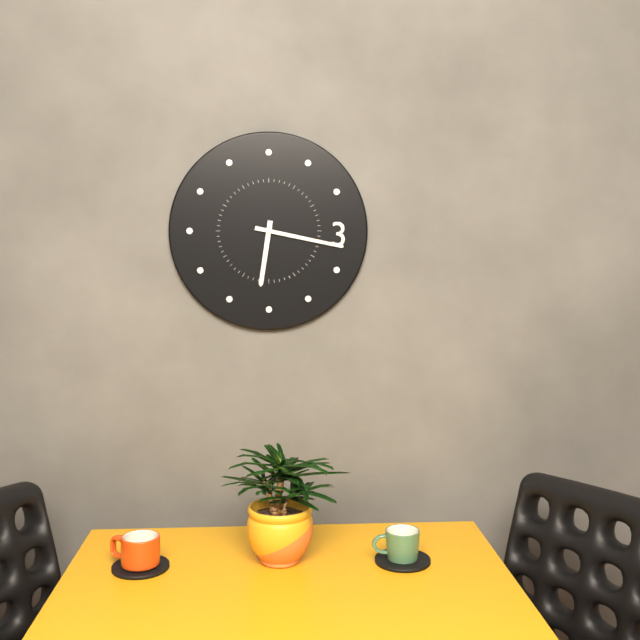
6:17
